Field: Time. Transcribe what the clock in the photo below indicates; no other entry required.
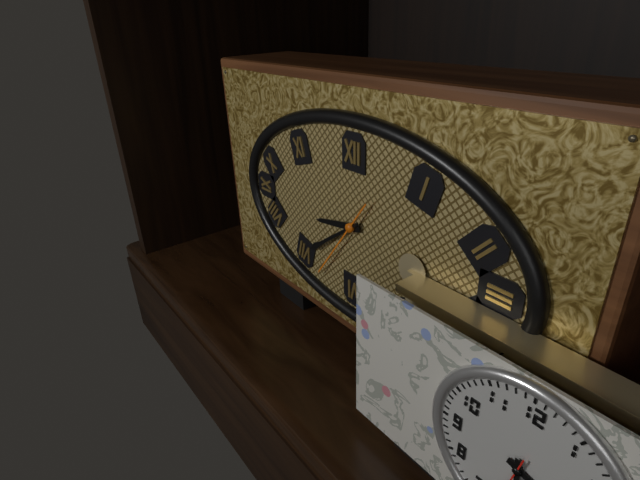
8:39:36
